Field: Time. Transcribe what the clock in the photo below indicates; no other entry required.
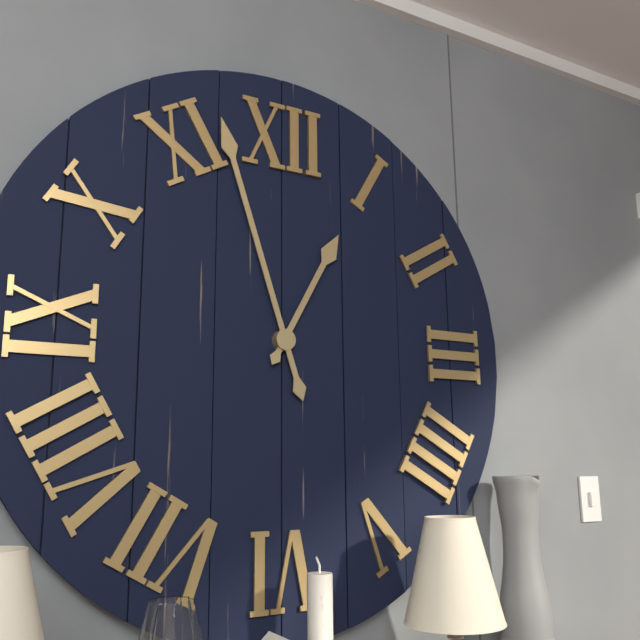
12:57
